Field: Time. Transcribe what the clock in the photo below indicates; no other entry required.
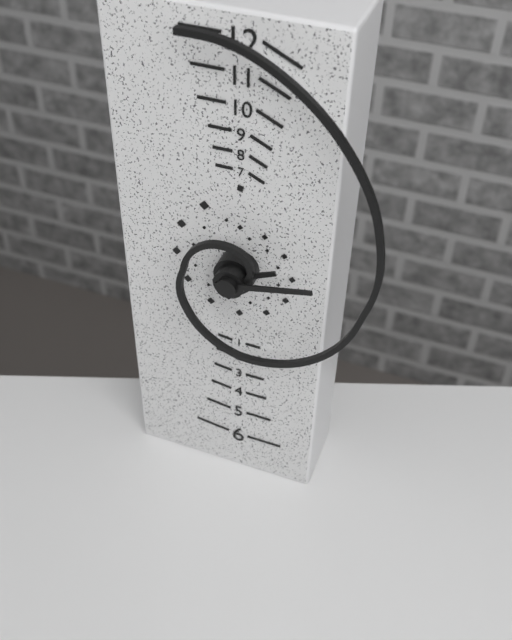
2:13
